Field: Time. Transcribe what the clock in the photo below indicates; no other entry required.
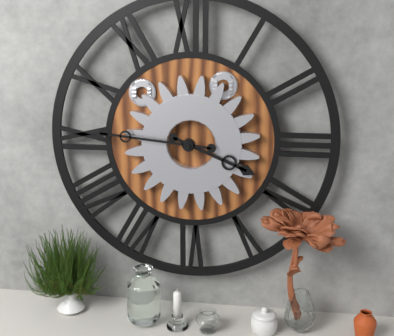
3:46
